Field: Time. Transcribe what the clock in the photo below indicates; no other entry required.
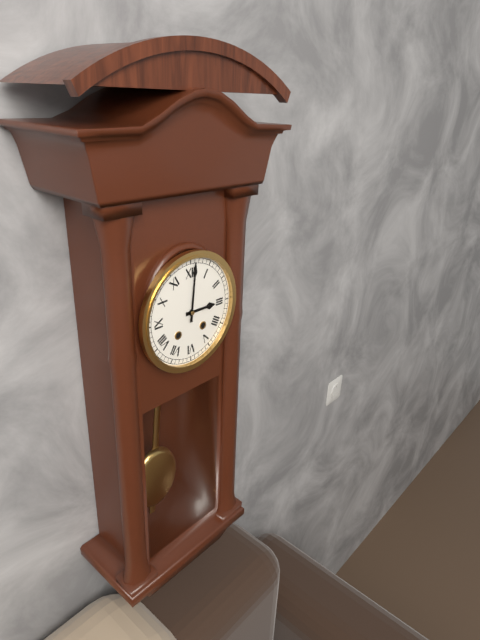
3:01
